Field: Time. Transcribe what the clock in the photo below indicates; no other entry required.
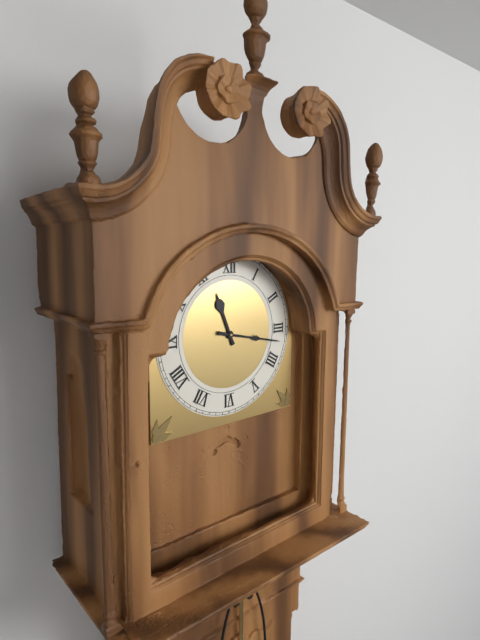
11:17
